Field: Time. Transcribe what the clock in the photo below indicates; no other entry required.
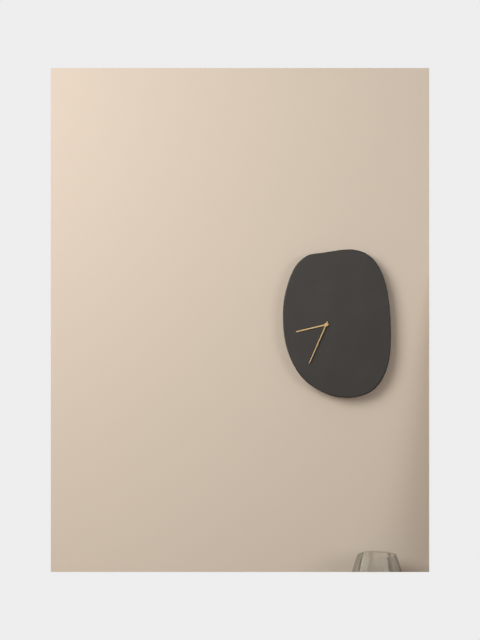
8:34
